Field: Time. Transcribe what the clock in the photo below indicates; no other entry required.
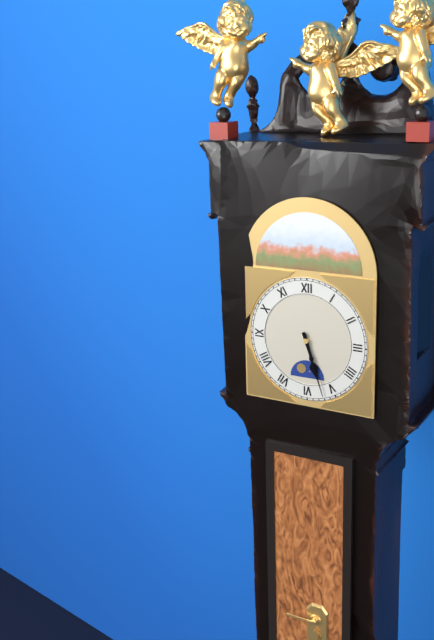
5:27
